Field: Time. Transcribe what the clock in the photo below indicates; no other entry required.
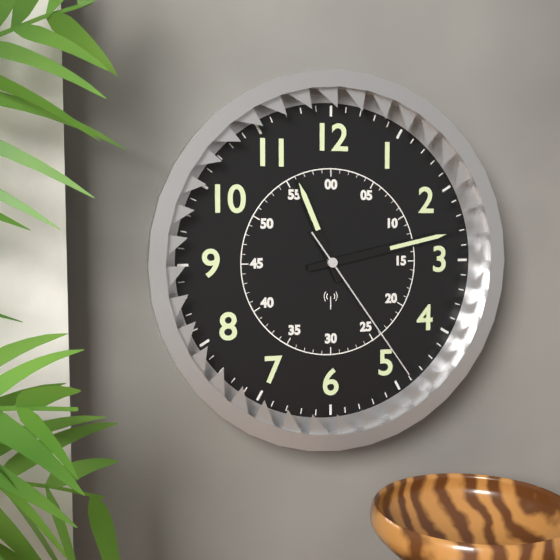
11:13:24
